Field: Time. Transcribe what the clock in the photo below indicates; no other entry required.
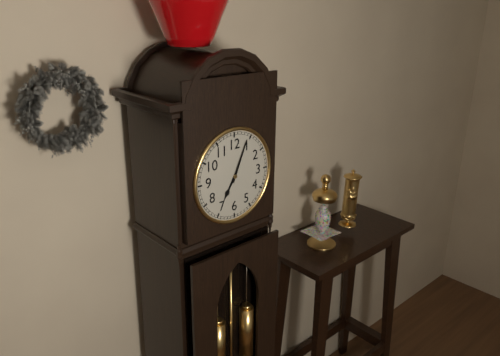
7:04
